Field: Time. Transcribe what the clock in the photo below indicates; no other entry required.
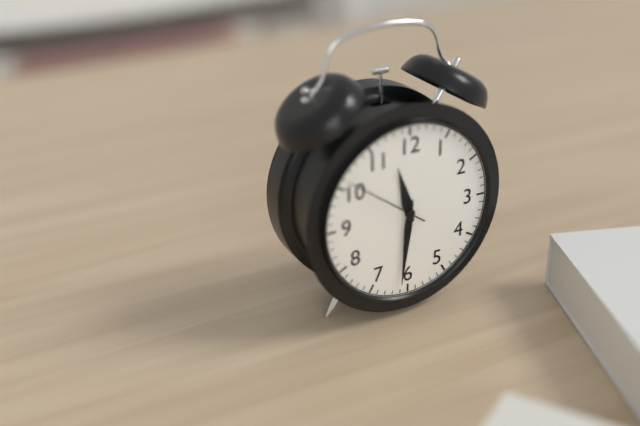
11:31
